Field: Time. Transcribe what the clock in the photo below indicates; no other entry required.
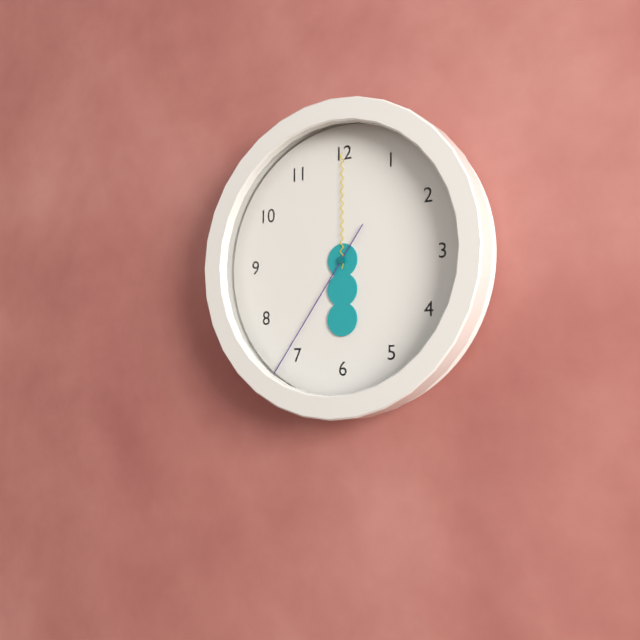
6:00:36
